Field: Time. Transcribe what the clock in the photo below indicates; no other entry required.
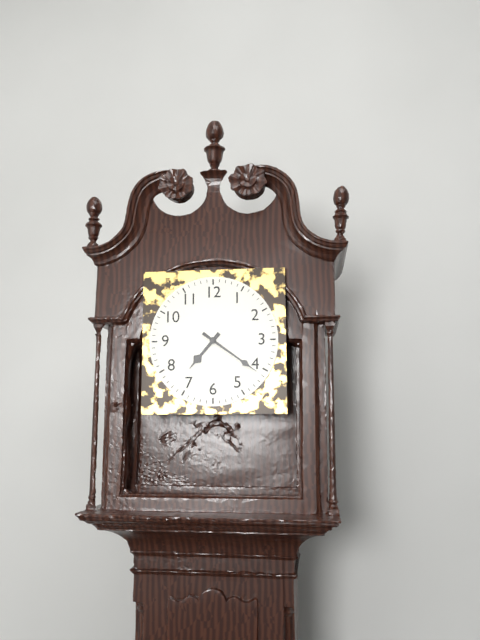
7:21
